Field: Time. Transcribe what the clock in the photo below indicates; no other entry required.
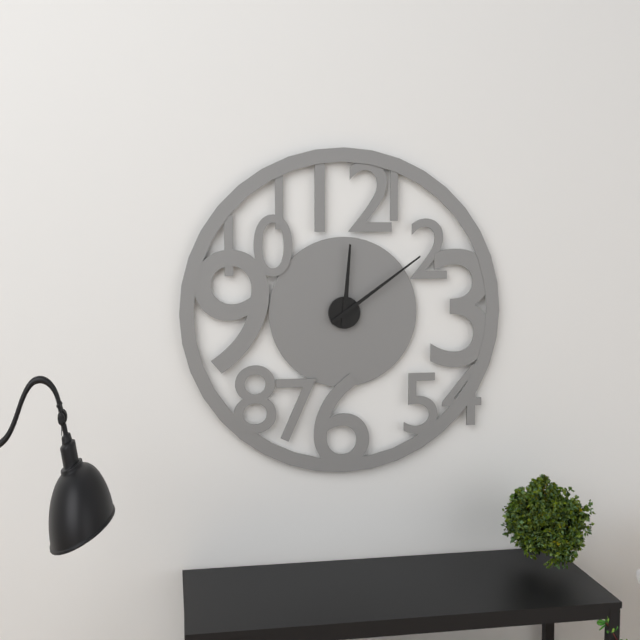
12:09
